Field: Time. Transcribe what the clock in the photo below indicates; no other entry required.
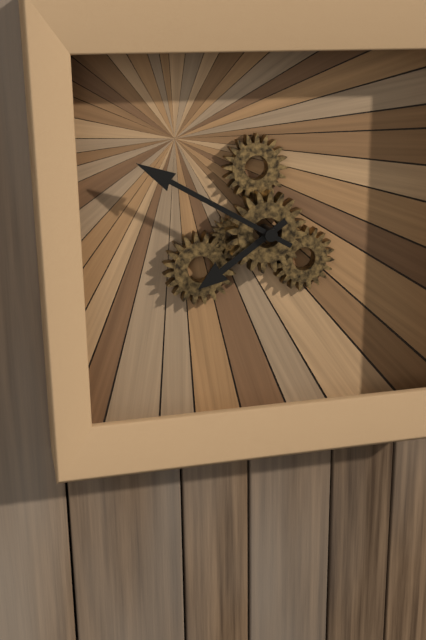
7:50
